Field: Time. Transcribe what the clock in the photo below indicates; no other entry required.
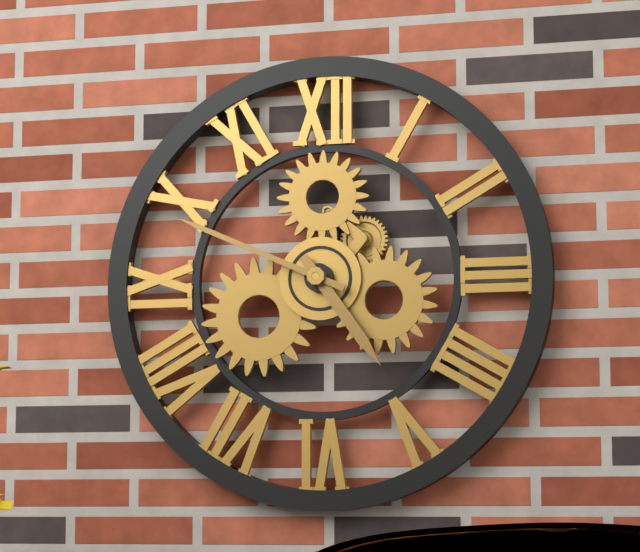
4:49
